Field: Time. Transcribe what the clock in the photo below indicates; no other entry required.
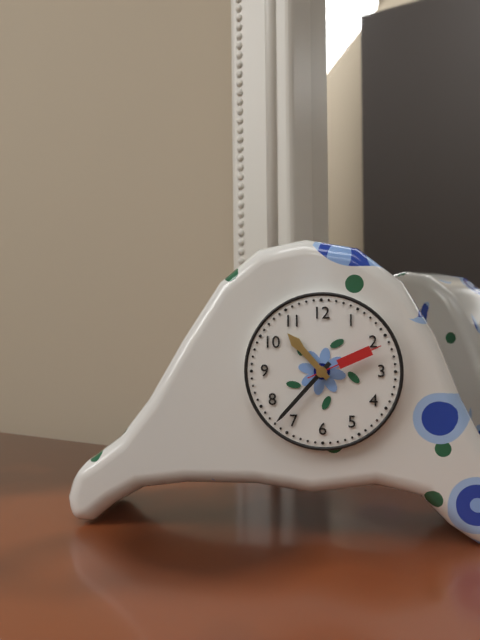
10:37:11
